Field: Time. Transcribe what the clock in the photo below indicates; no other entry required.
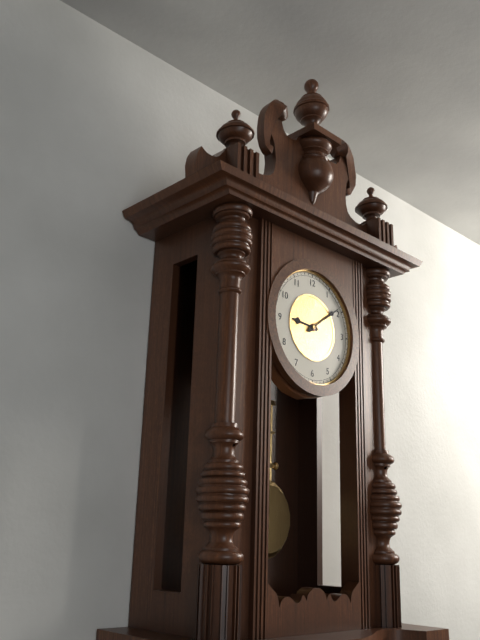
9:09
